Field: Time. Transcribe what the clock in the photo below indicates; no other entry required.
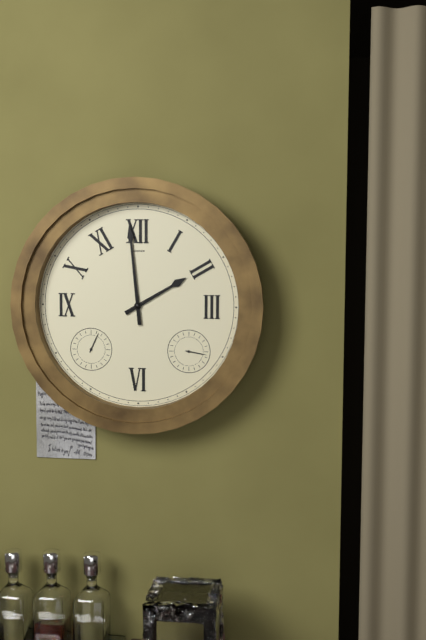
1:59
